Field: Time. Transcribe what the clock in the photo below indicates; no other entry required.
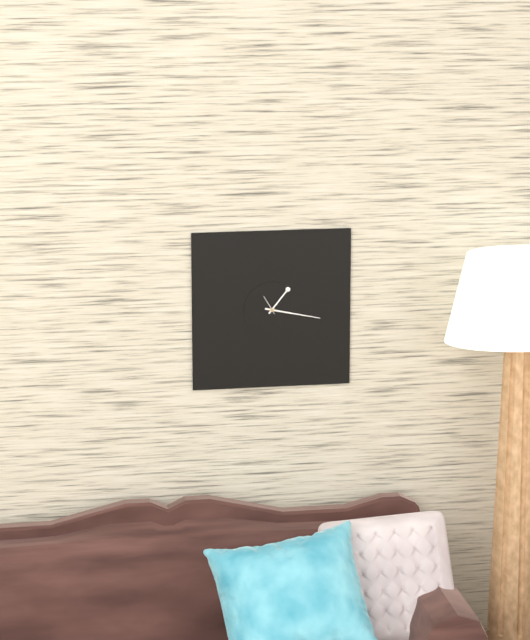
1:17
